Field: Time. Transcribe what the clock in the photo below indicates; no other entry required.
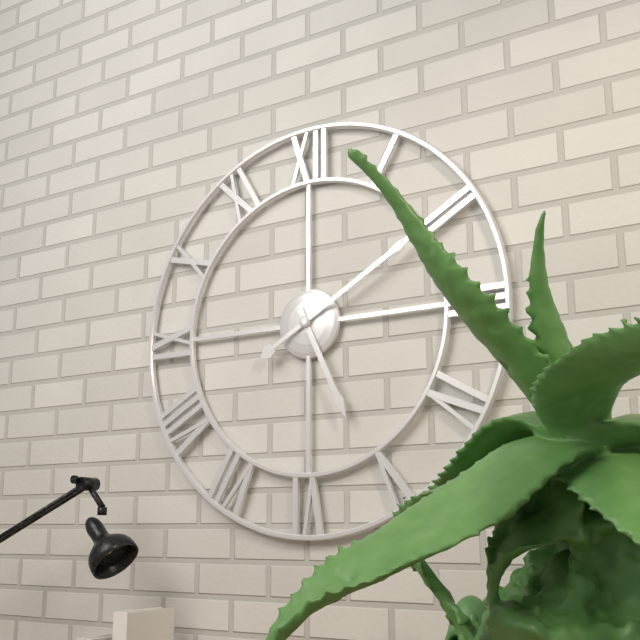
5:10
